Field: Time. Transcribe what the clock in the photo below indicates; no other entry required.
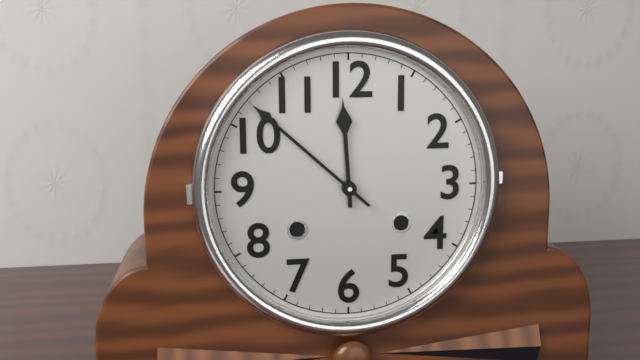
11:52
